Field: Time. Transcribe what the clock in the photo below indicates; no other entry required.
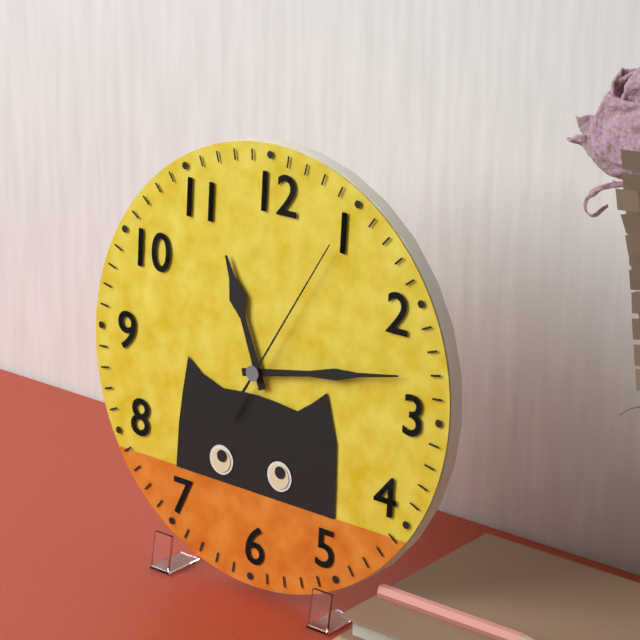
11:13:05
